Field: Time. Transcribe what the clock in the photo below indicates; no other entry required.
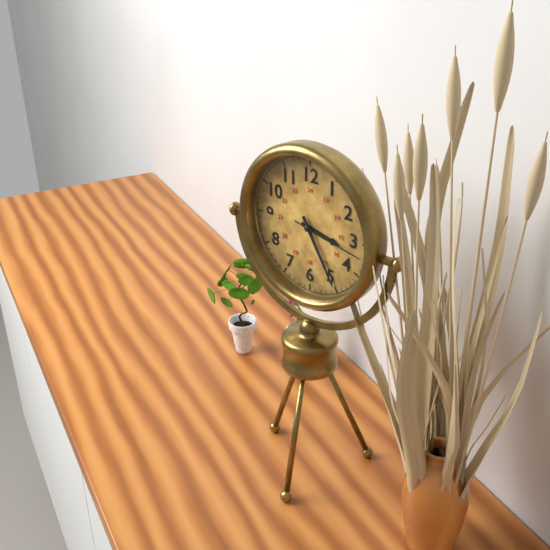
3:25:17
